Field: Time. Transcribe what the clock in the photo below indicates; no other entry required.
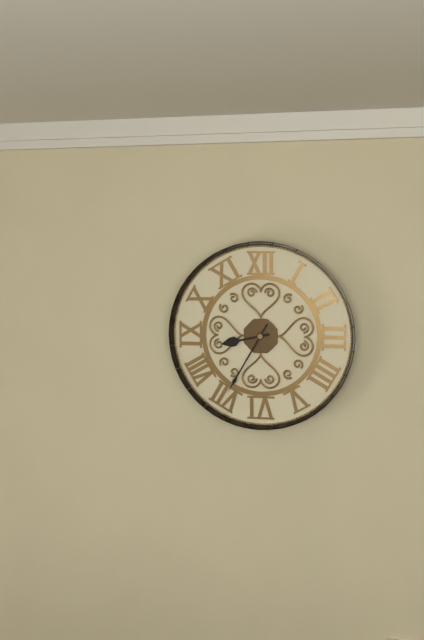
8:35
